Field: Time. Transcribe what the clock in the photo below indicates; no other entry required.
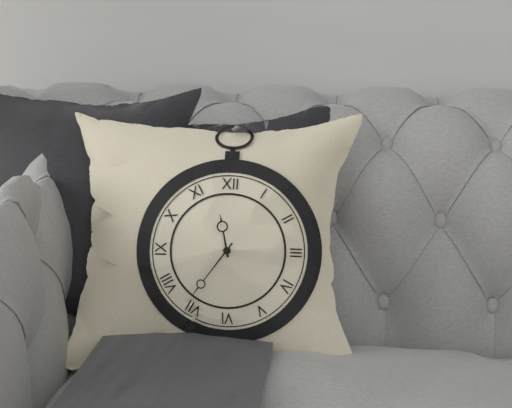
11:36
